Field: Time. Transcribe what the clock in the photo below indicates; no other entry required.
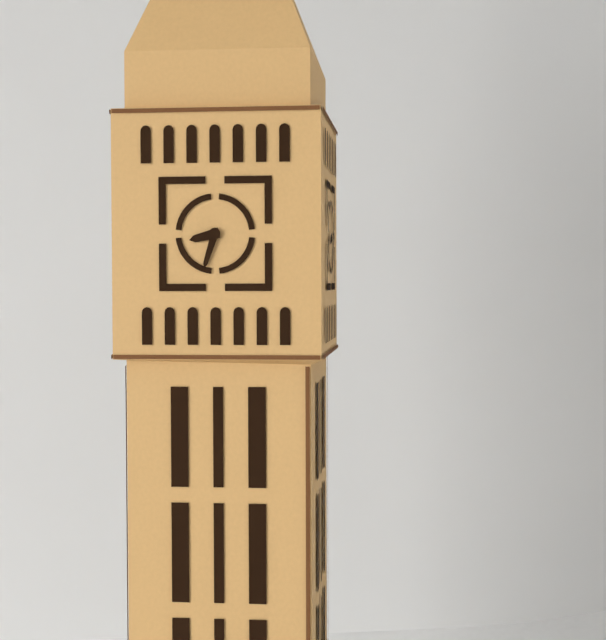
8:33
